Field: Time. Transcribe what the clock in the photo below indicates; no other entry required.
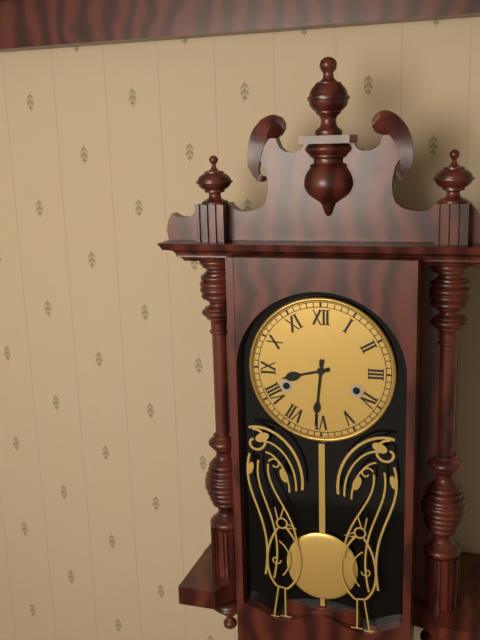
8:31
